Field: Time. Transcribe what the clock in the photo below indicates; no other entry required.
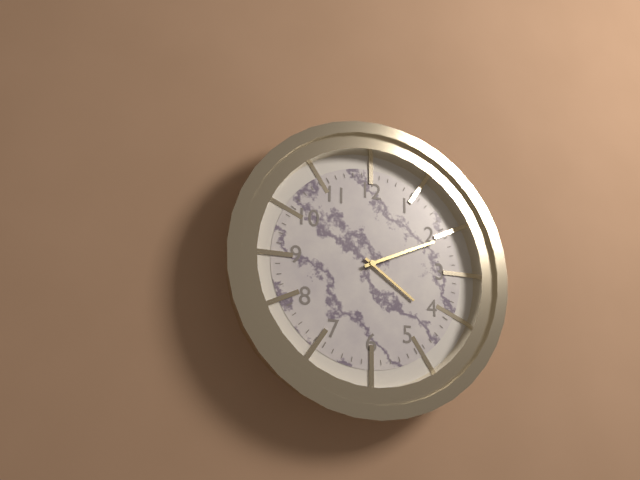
4:11
